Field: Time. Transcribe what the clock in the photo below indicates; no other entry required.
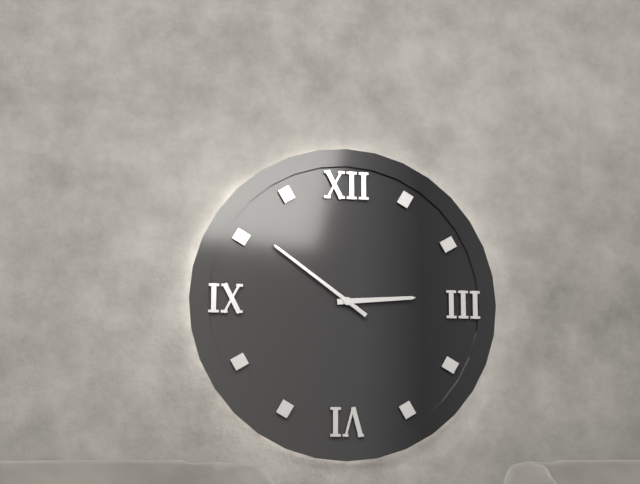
2:51
